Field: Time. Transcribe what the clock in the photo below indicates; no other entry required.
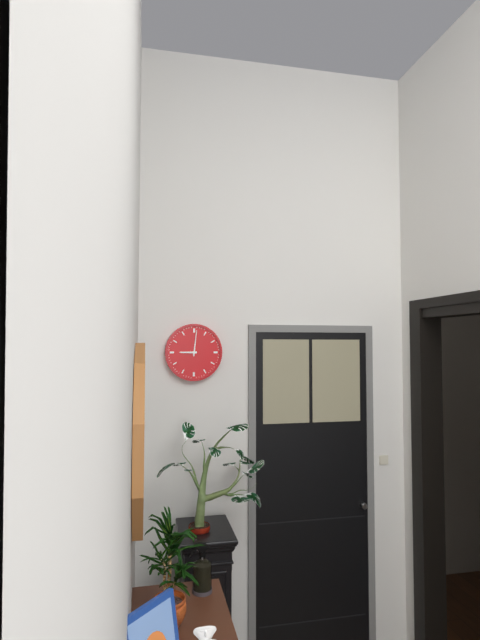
9:01
